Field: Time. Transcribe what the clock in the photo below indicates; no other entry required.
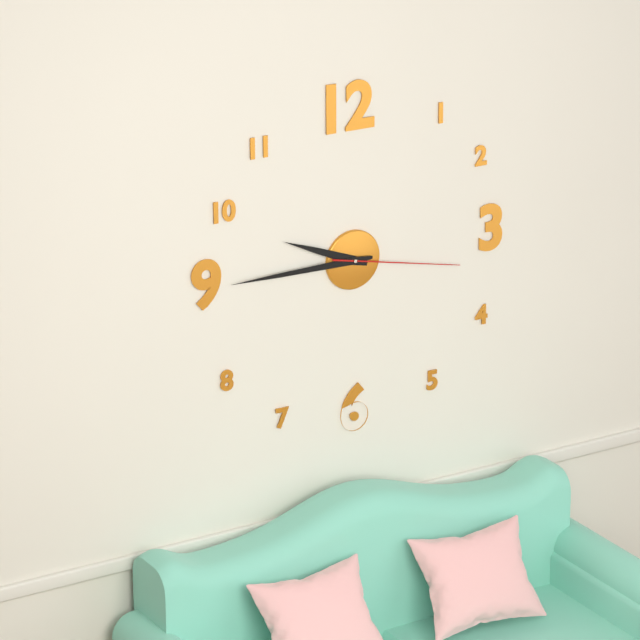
9:45:17
